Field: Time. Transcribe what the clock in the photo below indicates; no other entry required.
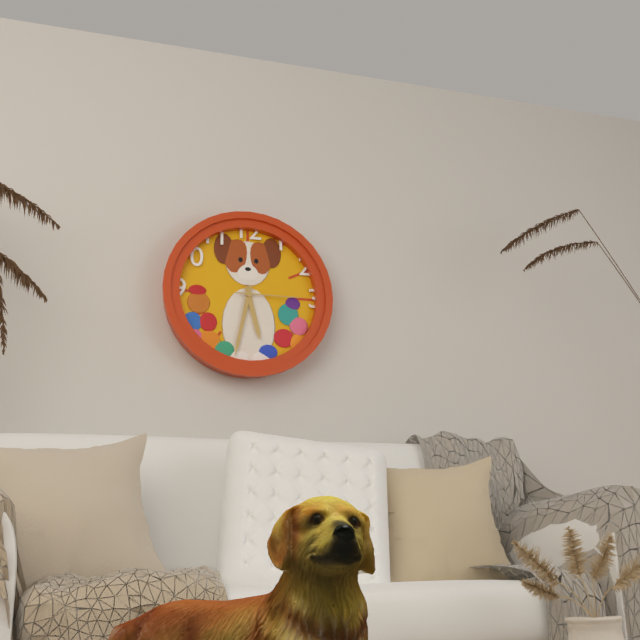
5:32:15
